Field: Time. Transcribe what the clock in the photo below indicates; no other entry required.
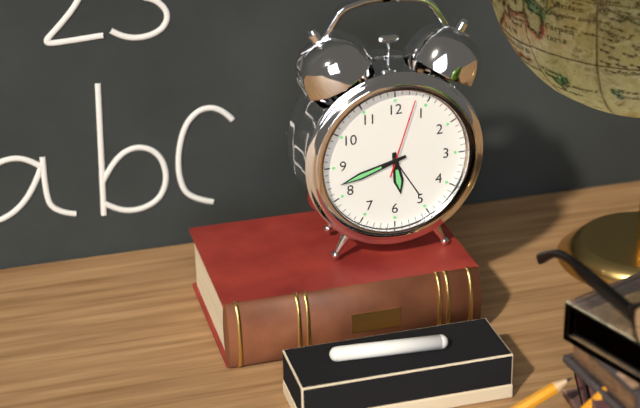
5:42:03
